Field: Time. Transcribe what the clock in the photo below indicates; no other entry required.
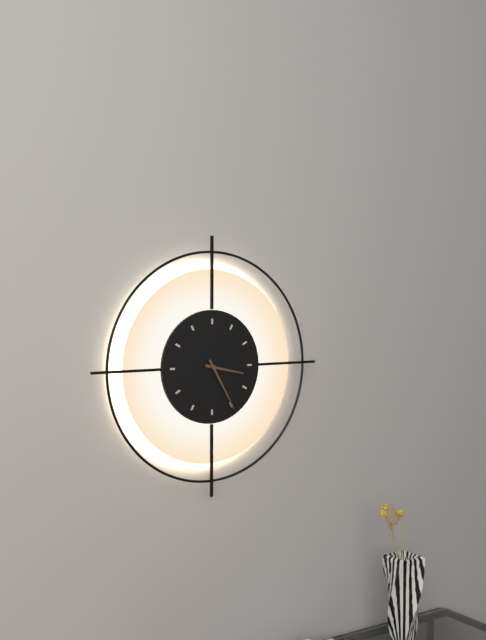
3:25
